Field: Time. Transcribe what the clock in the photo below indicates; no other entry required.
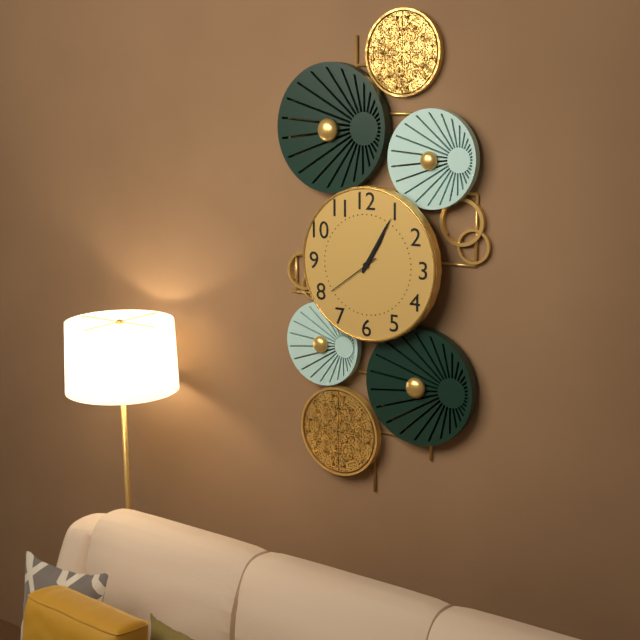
1:05:39
